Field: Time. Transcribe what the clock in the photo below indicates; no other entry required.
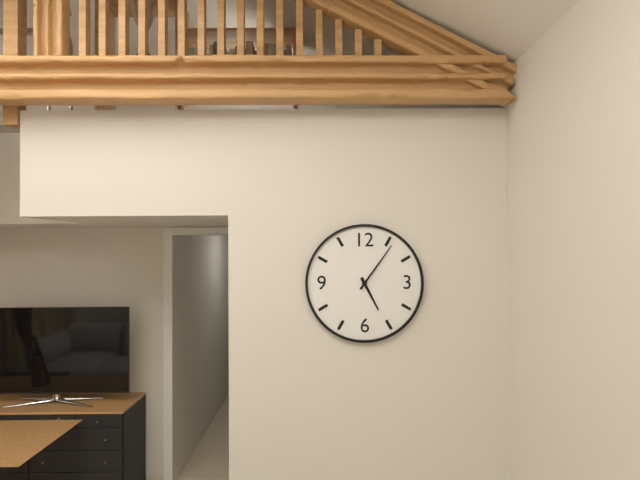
5:06
